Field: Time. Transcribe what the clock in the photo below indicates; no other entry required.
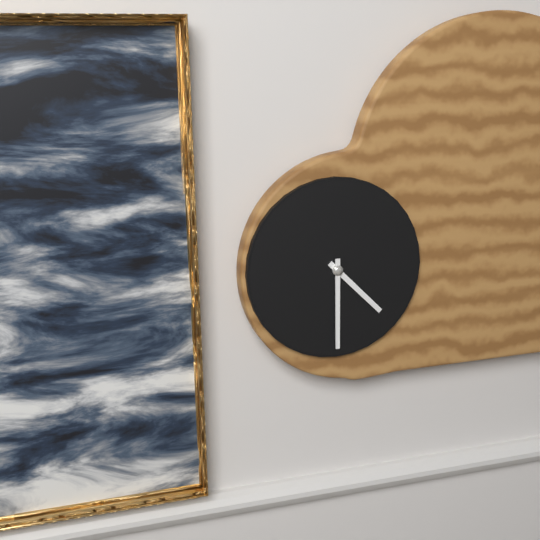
4:30
